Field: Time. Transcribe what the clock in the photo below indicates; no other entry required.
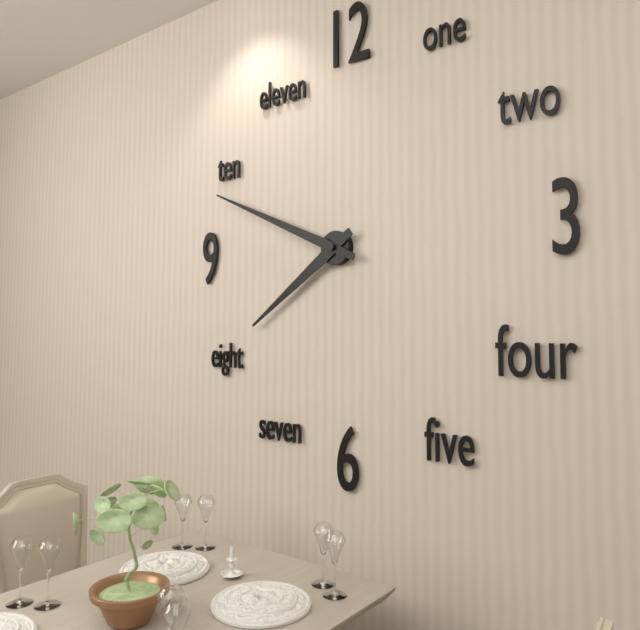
7:49
